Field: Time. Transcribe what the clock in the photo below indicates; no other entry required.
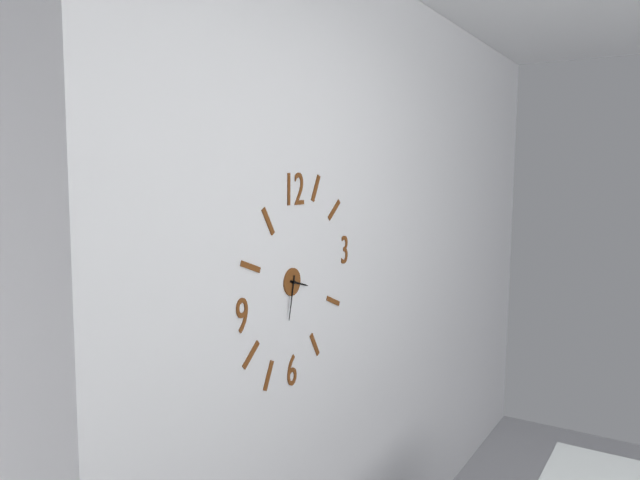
3:32
